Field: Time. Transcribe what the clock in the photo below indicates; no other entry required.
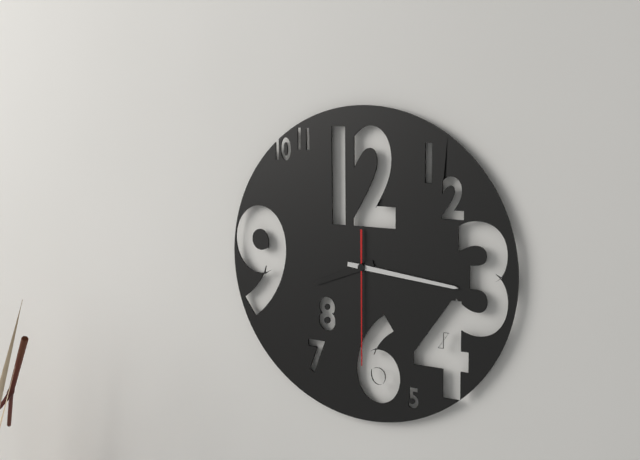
8:16:30
